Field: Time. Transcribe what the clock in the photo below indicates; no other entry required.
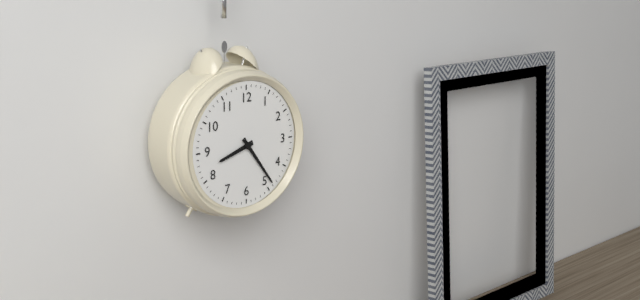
8:24
